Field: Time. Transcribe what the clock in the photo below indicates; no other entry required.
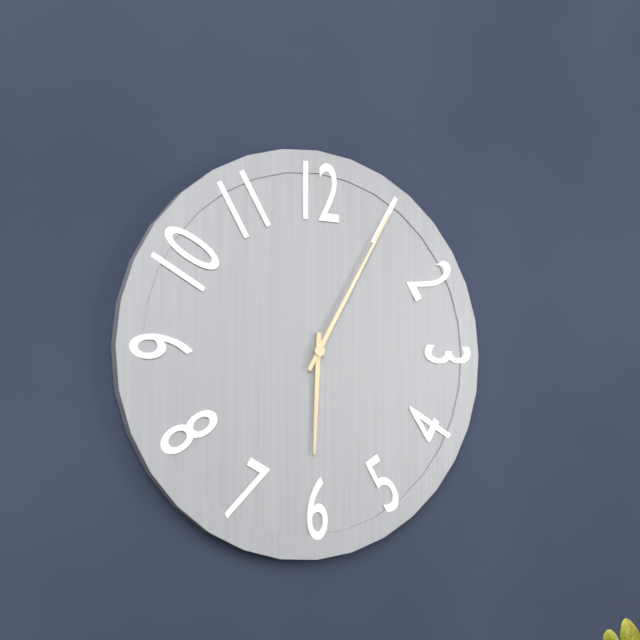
6:05
